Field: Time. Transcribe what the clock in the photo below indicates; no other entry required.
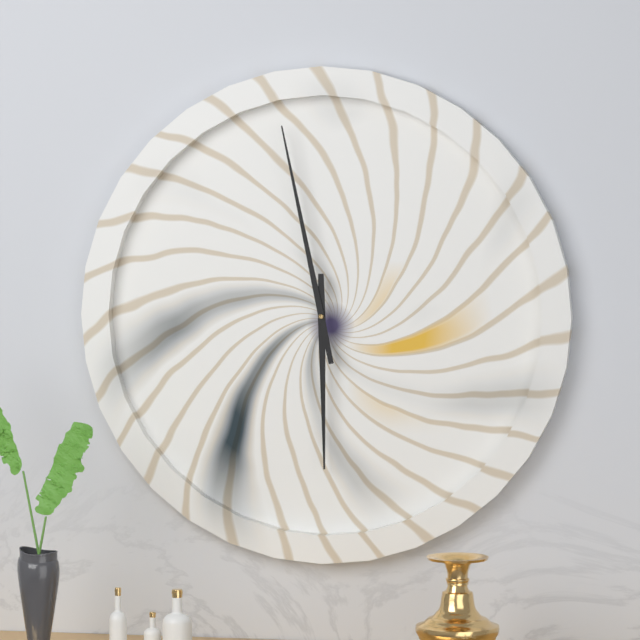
5:58
